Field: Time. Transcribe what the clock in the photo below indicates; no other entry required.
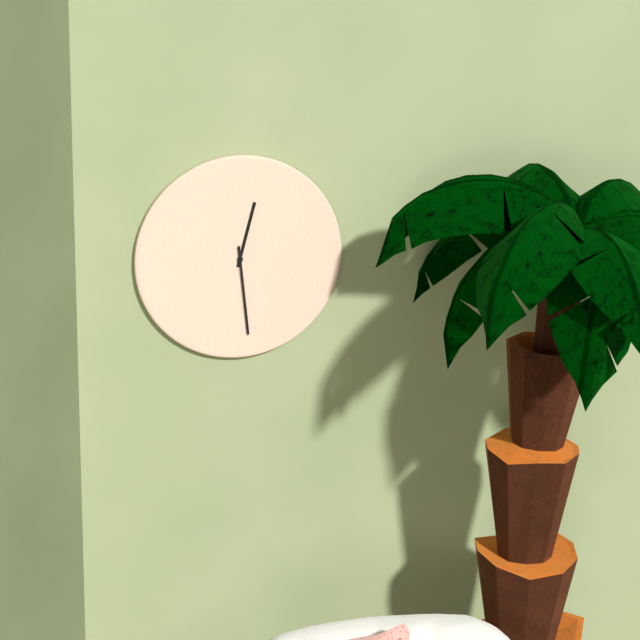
12:29
